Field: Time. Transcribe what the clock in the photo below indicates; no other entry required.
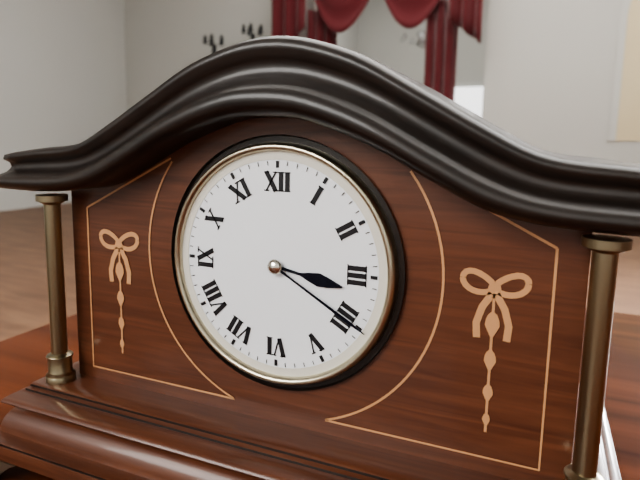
3:20
